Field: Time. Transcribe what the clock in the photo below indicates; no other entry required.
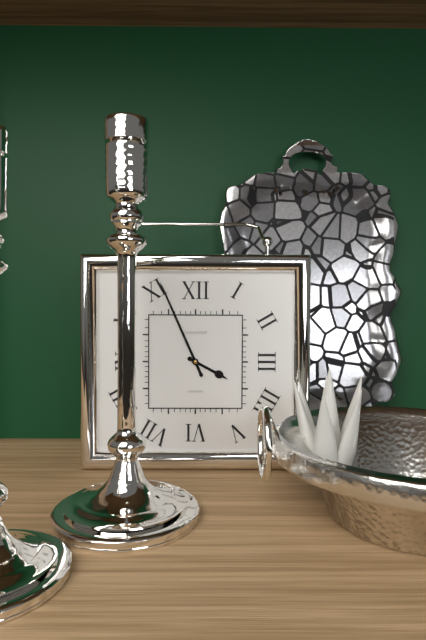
3:56
